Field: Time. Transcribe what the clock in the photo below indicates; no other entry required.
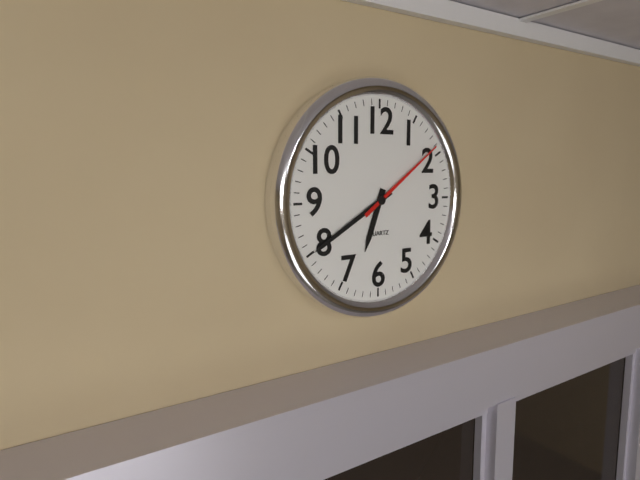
6:40:09
